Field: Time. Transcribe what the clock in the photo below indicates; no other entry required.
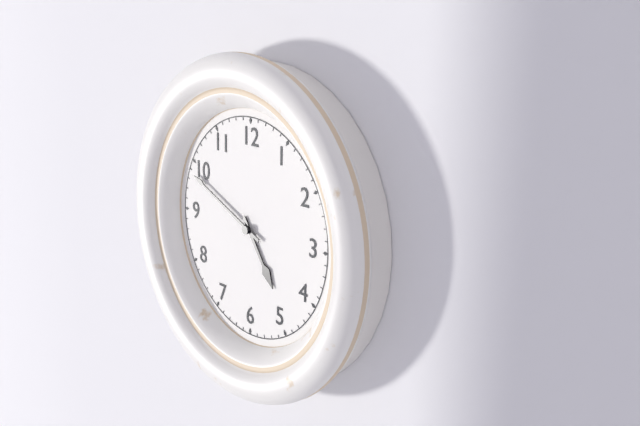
4:49
